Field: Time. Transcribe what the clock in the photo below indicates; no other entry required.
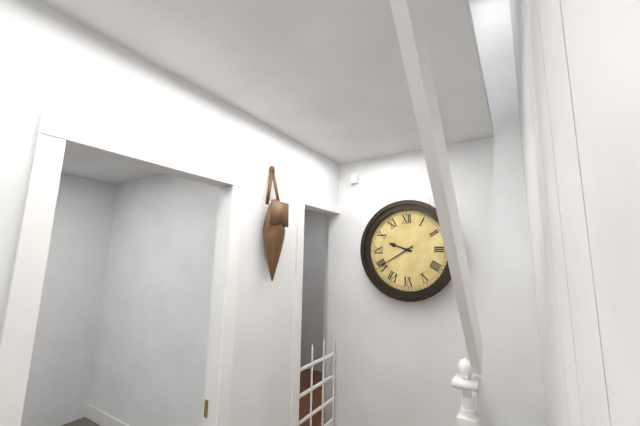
9:40
